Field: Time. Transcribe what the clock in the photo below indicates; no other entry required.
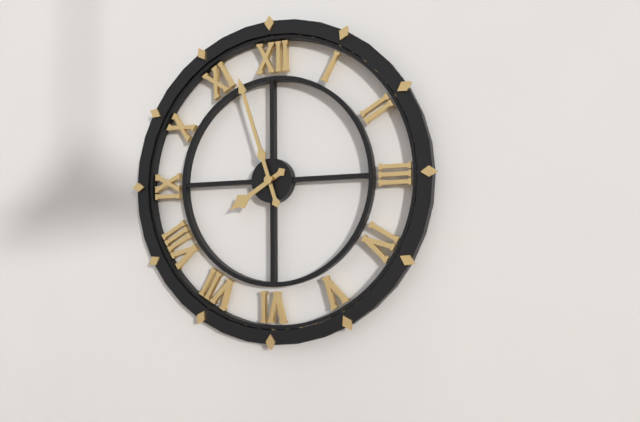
7:57
